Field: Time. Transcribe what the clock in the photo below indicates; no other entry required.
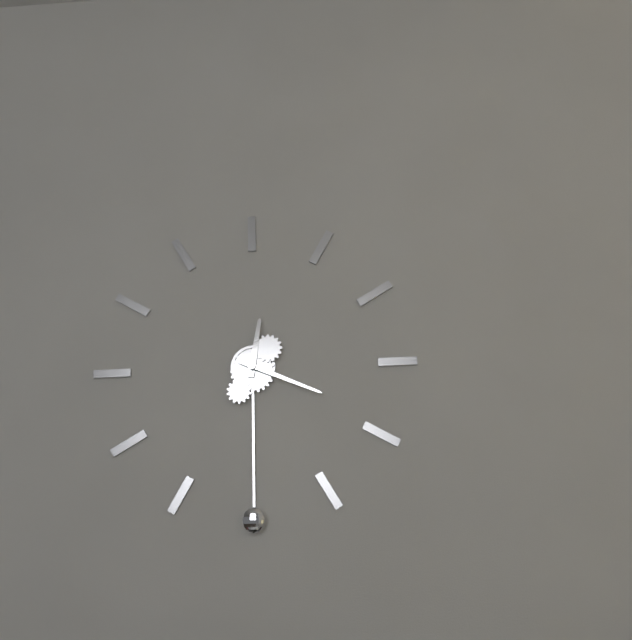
12:19
